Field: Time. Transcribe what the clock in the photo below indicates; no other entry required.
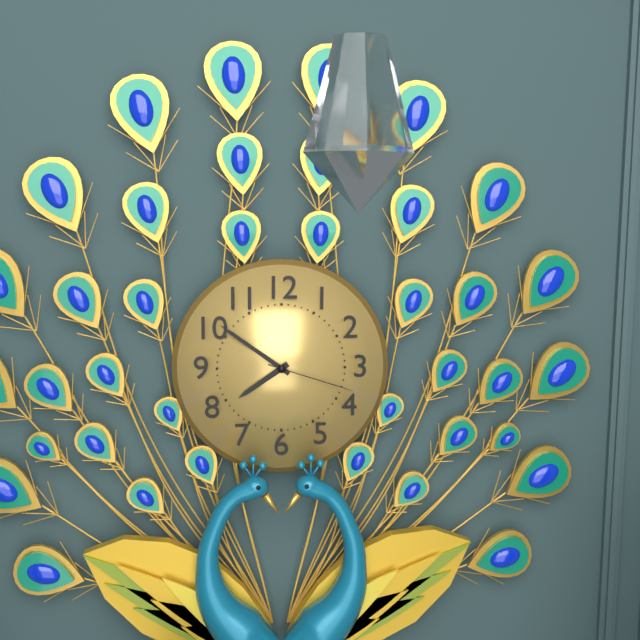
7:51:18
